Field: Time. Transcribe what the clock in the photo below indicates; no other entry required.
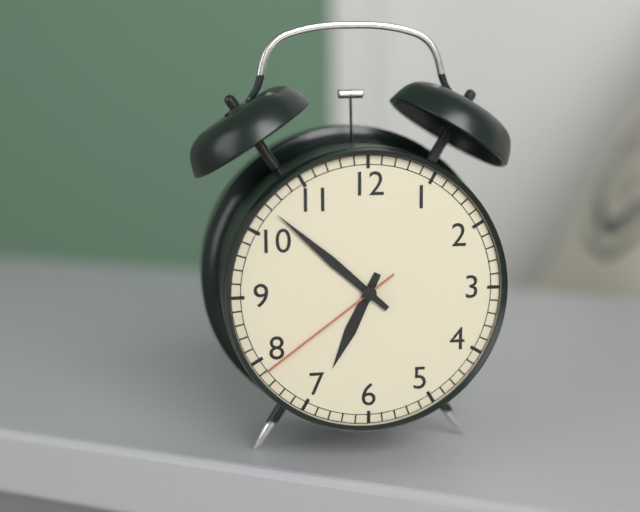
6:52:39
